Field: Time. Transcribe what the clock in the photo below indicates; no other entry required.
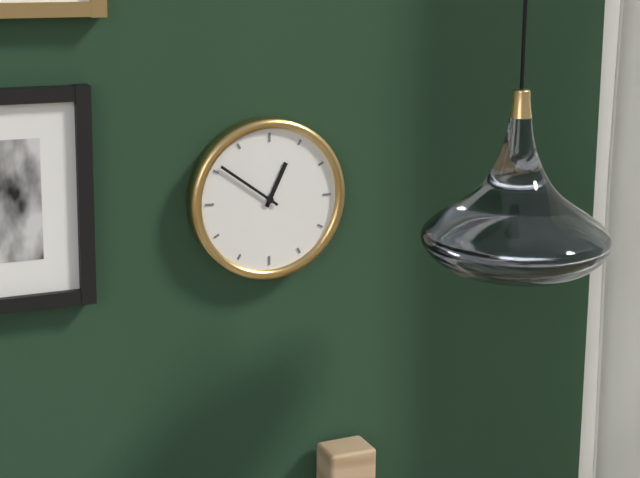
12:51
